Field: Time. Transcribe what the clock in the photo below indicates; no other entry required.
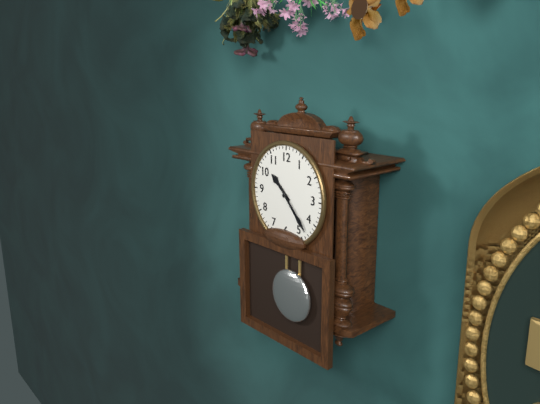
10:23
